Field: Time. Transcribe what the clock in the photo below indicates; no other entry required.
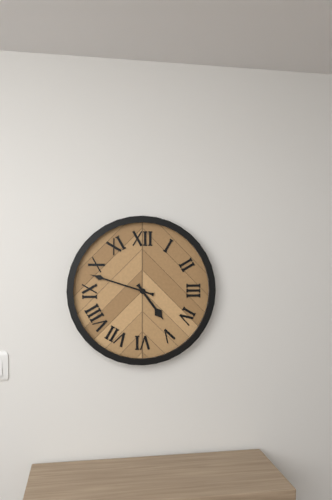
4:48
